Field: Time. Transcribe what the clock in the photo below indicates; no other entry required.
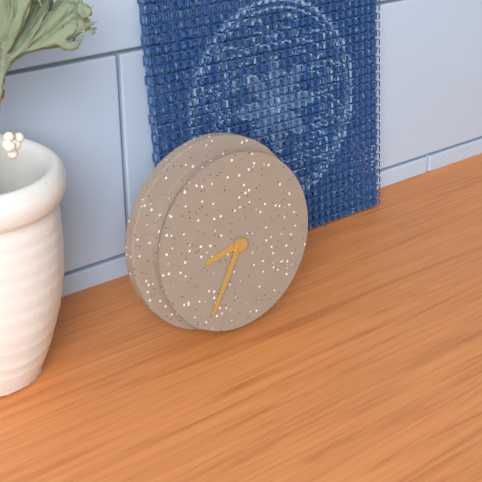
8:35
